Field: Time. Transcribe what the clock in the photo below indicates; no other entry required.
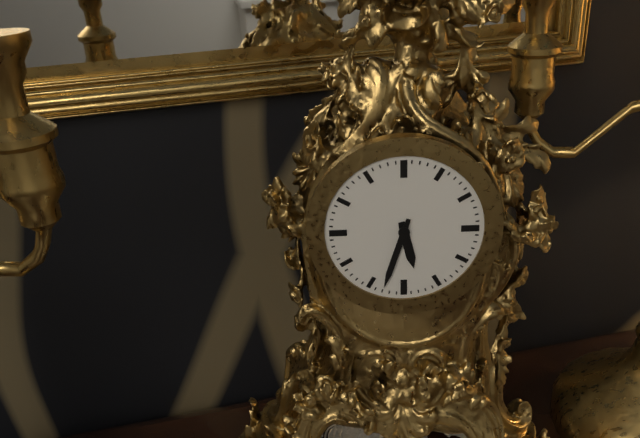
5:33
